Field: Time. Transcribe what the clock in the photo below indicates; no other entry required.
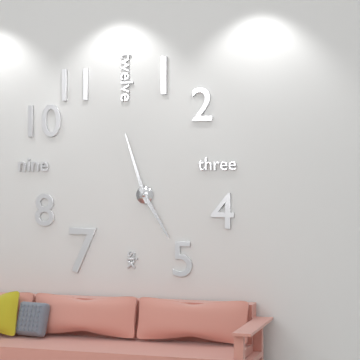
4:57
